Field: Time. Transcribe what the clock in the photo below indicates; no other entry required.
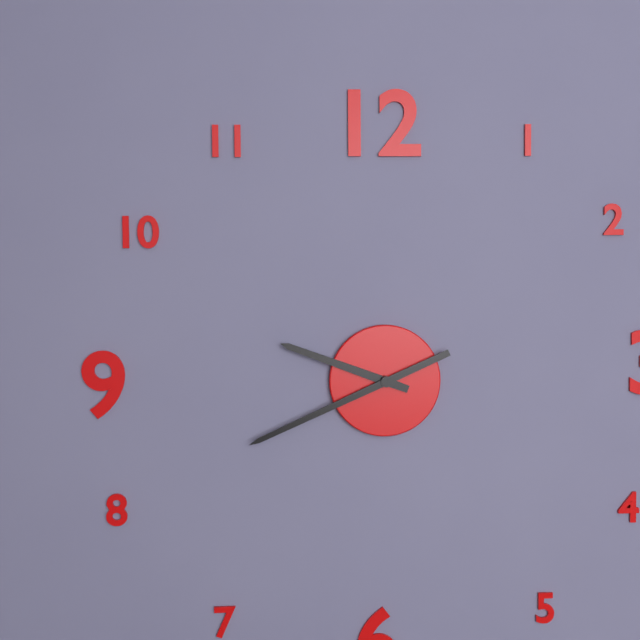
9:41
